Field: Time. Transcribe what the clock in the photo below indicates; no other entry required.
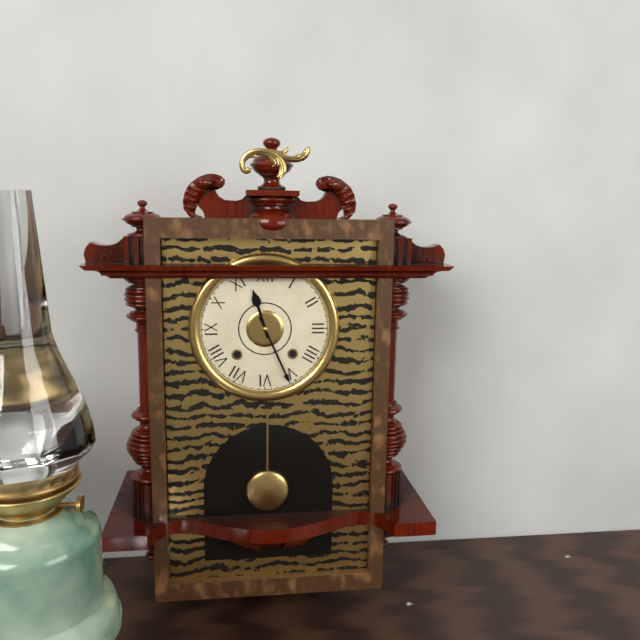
11:26
